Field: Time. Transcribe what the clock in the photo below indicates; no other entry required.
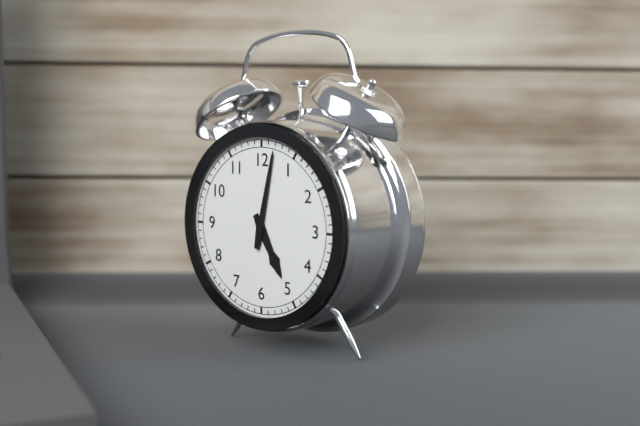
5:02
